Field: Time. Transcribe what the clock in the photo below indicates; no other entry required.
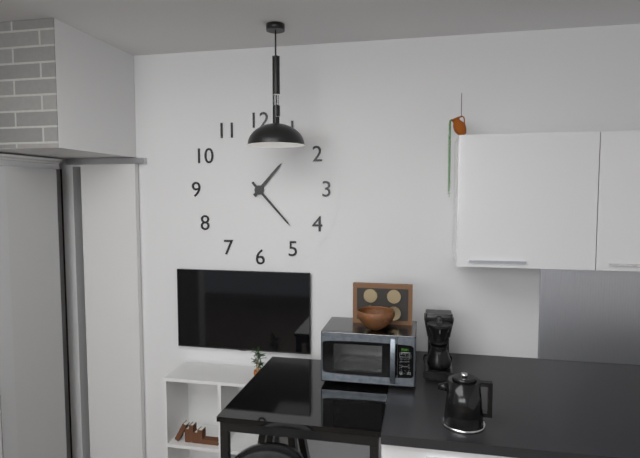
1:23
